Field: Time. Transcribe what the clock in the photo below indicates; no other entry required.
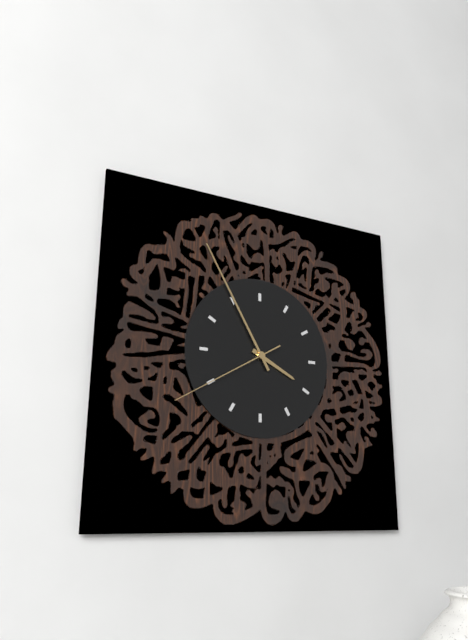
3:55:40
